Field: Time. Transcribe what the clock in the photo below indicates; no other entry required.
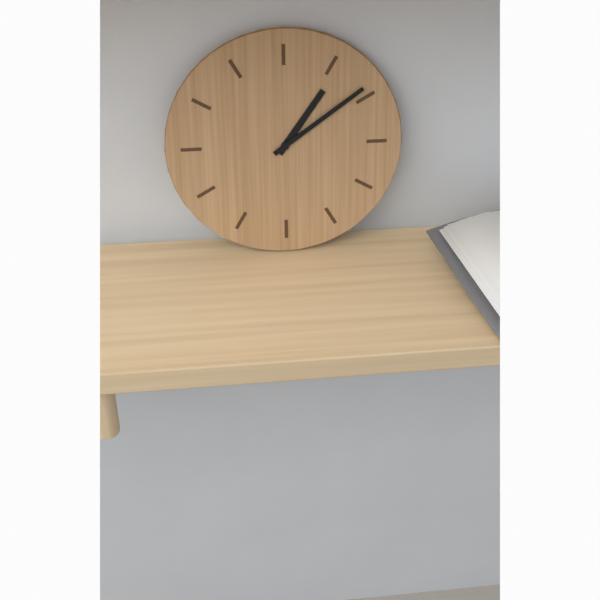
1:09
